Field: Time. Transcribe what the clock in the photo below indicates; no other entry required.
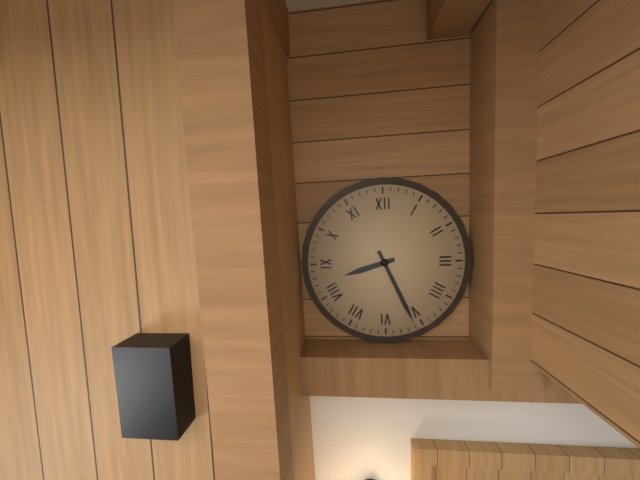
8:26
